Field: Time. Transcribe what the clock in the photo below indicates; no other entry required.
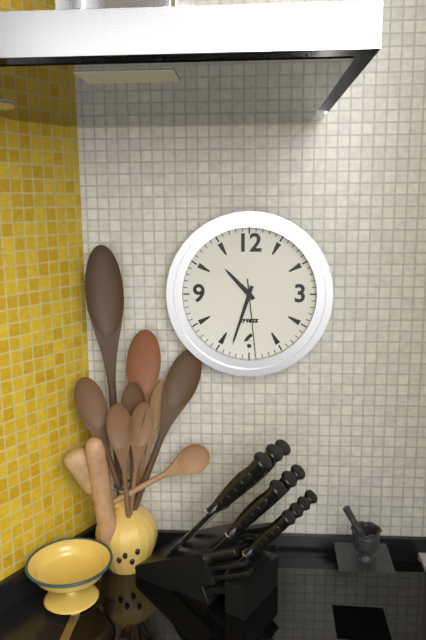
10:33:29
